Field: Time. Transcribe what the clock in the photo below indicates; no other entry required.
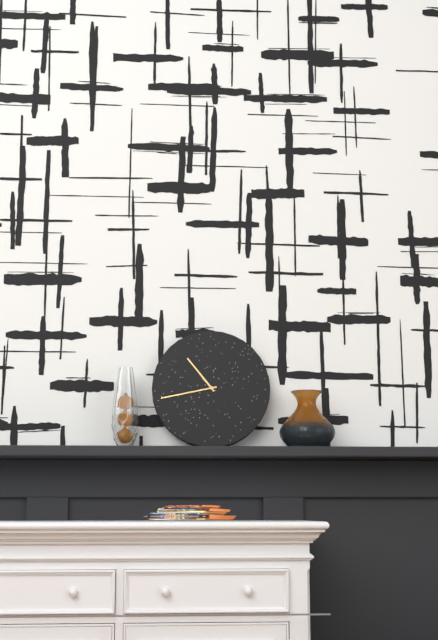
10:43
